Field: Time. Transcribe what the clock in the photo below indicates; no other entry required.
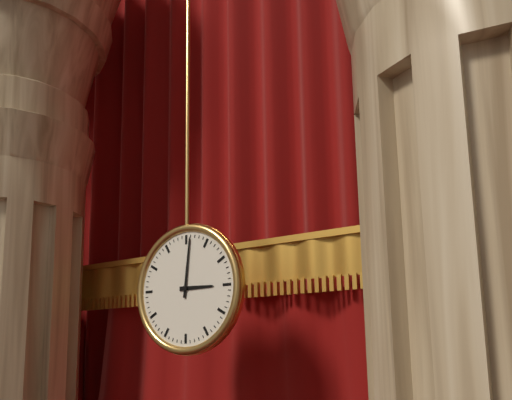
3:01
